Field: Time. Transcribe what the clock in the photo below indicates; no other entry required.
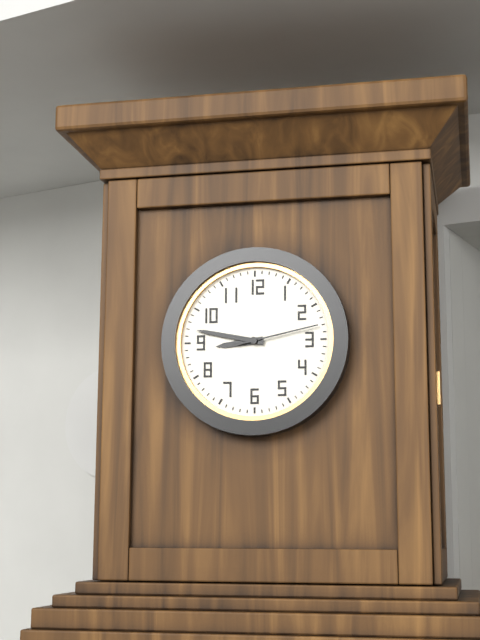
8:47:13
